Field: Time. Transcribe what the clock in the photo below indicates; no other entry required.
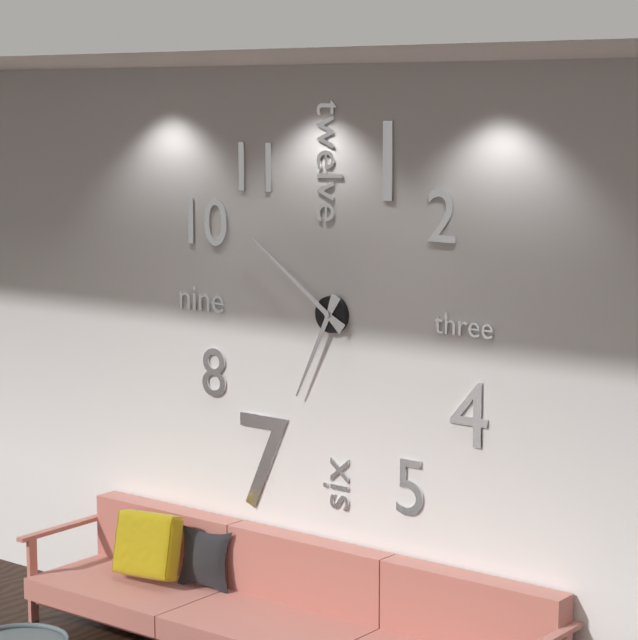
6:51
